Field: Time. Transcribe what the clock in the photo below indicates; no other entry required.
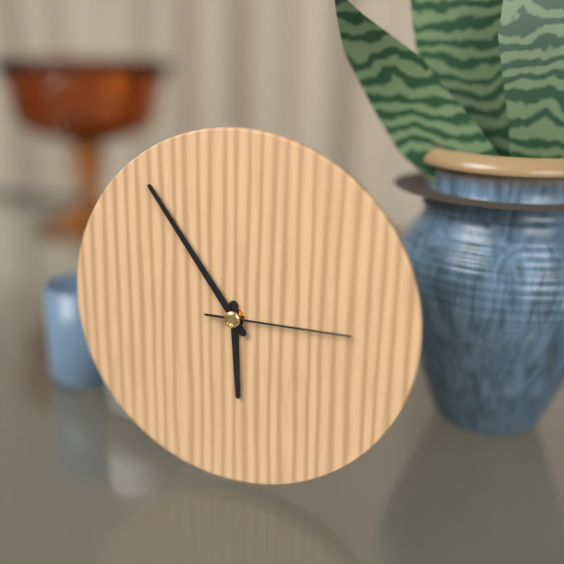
5:54:15
